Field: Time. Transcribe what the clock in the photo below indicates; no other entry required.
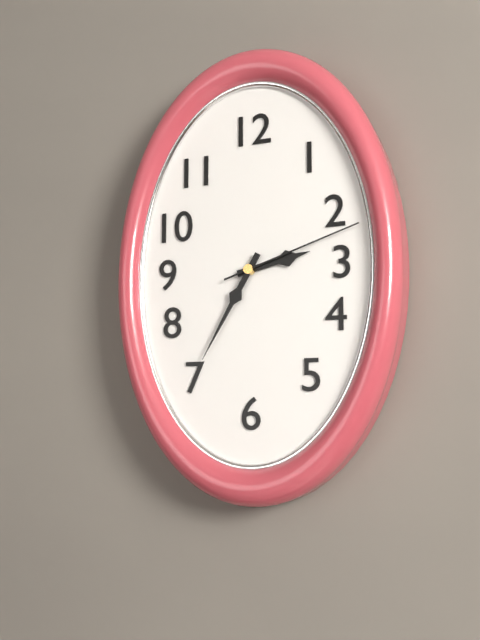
2:35:12
